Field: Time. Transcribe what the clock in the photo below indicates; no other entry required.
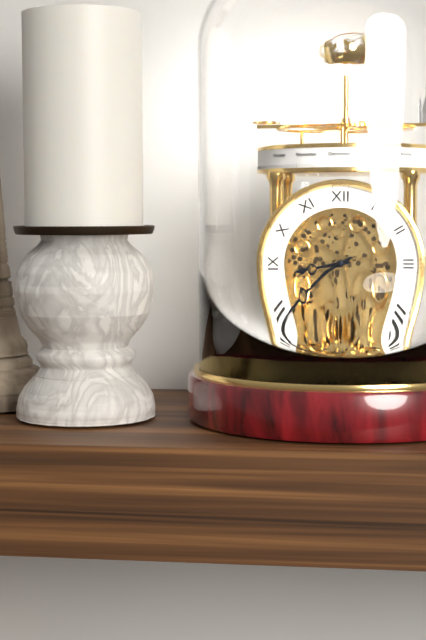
8:40
